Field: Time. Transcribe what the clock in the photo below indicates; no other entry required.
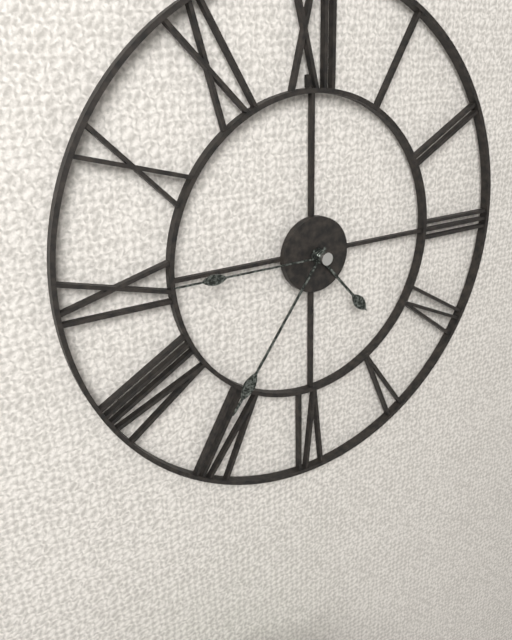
4:36:45
